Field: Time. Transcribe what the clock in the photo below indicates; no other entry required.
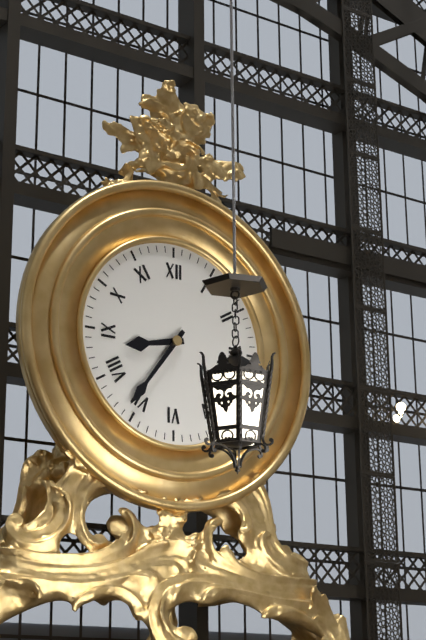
8:36
